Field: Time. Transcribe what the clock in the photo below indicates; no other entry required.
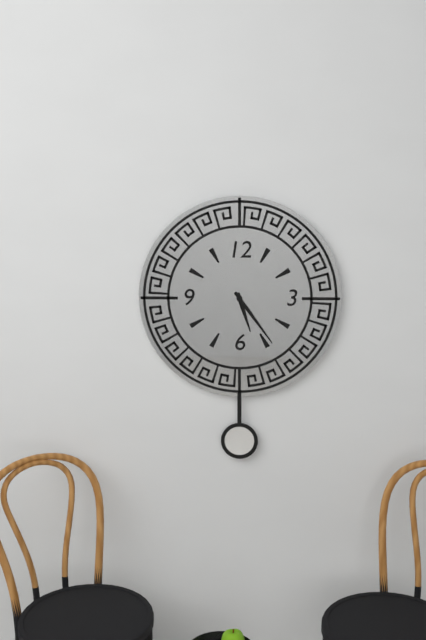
5:24
